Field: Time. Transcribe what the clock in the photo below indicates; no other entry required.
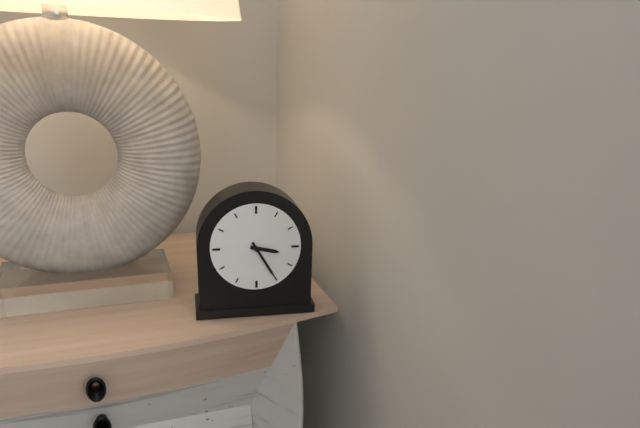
3:25
